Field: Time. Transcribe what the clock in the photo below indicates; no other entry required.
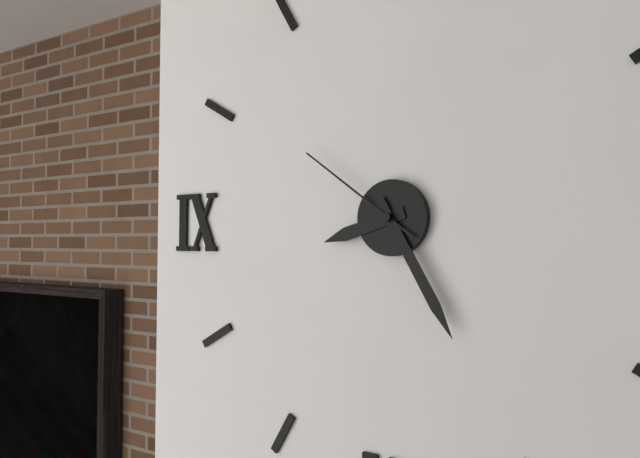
8:25:51
